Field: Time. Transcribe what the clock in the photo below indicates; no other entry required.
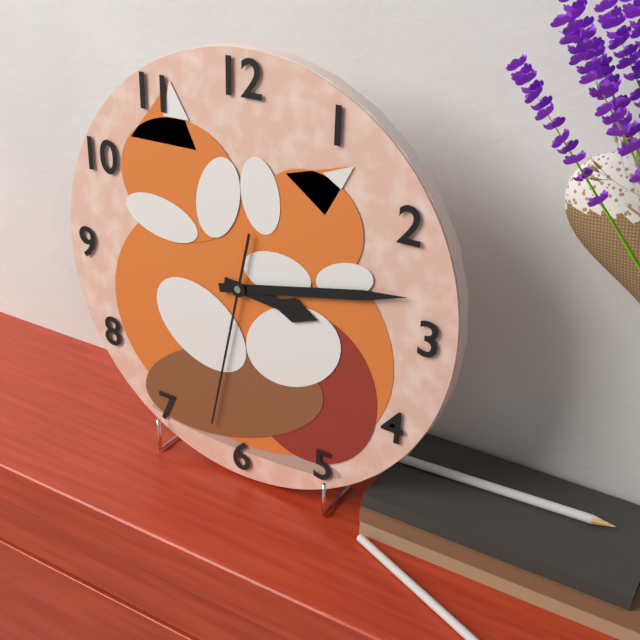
3:13:32
